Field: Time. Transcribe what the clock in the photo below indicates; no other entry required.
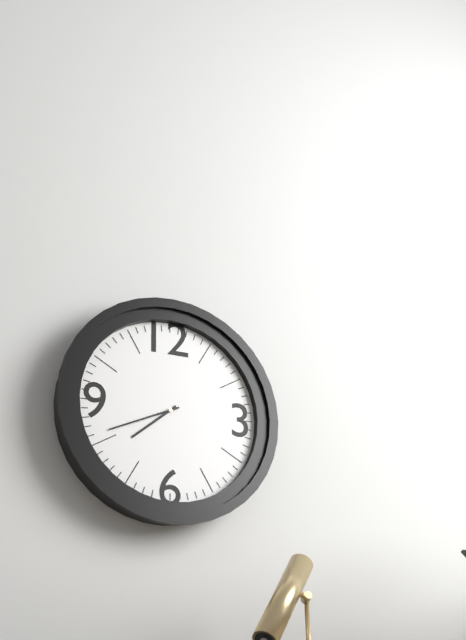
7:41
